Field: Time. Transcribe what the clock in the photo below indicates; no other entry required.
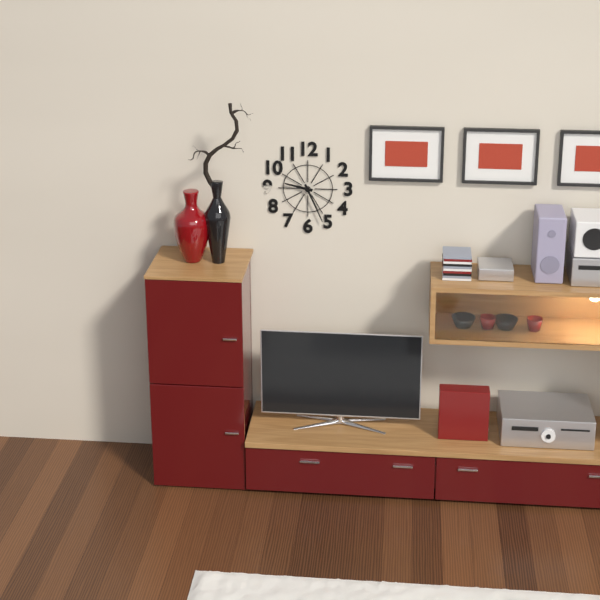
9:26
